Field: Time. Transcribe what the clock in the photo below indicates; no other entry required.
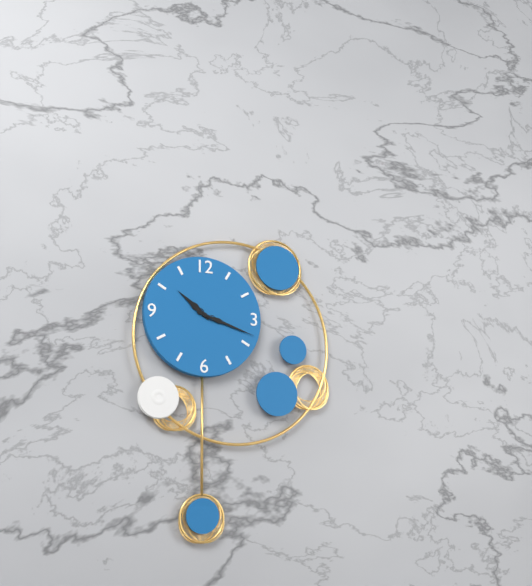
10:18
